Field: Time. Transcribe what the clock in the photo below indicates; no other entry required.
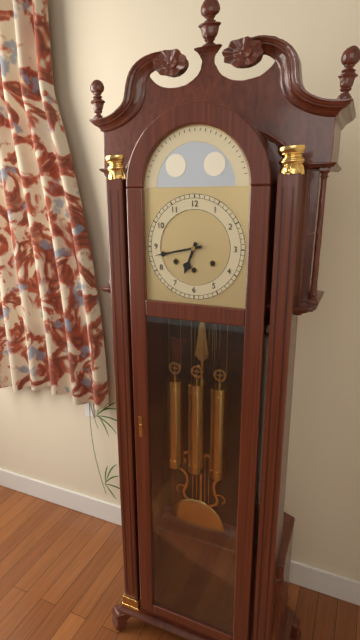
6:43
